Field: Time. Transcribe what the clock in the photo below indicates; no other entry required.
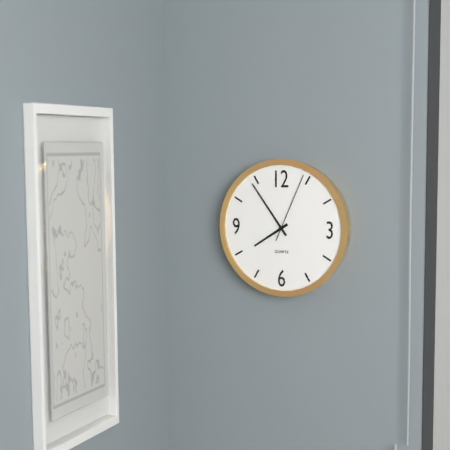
7:54:04
